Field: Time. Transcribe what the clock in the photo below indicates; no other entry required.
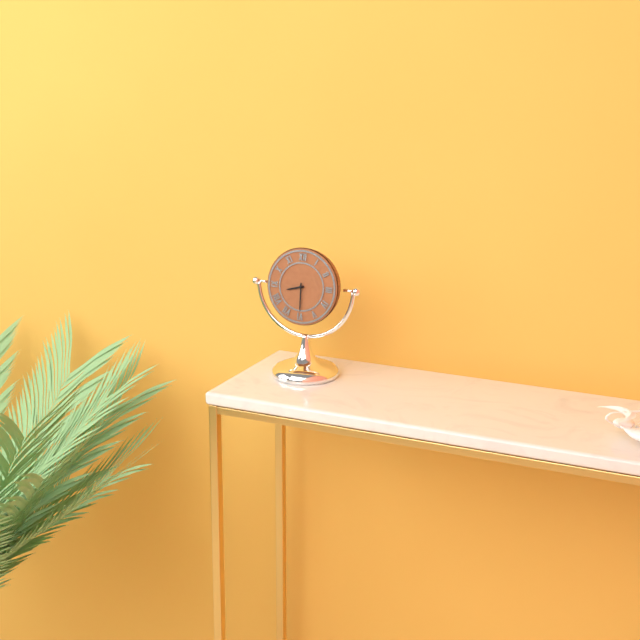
8:30
